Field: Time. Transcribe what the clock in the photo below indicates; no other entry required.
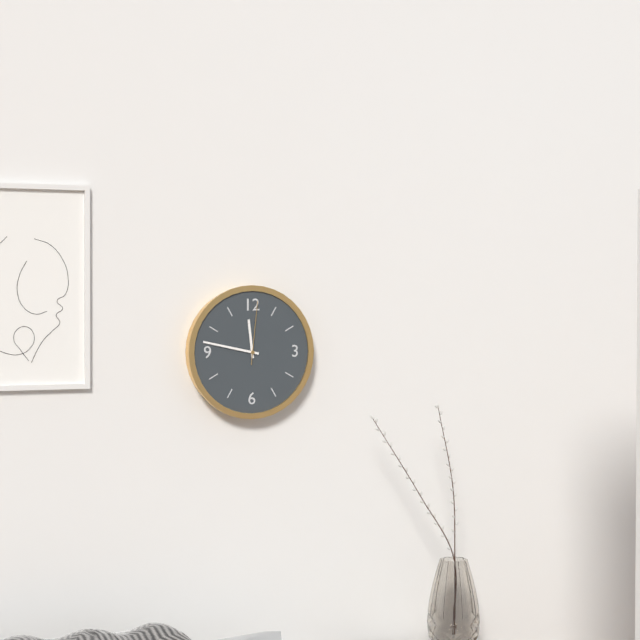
11:47:01
